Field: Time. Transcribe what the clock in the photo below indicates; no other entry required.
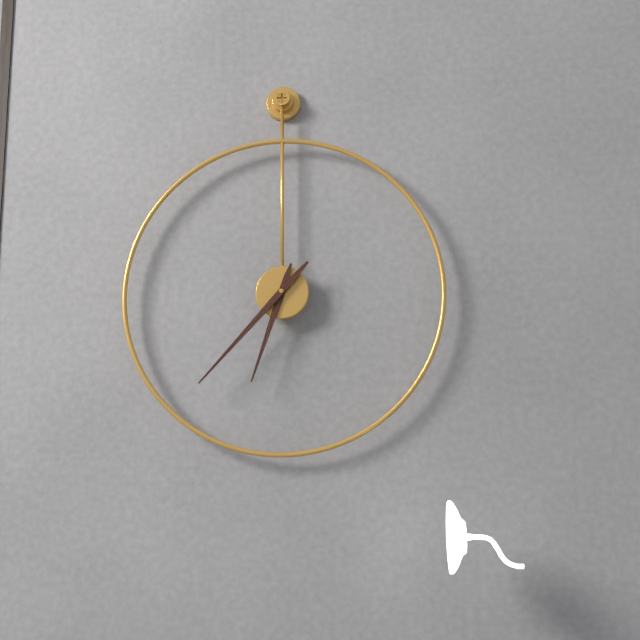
6:37
